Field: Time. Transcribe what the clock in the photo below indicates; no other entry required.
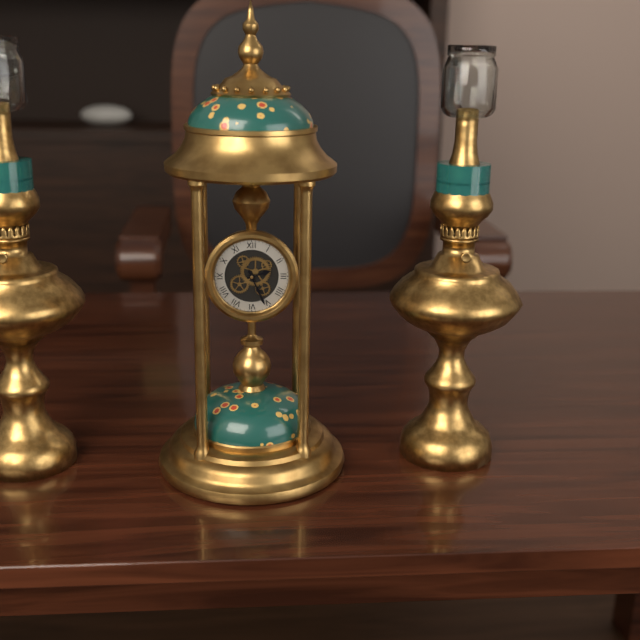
2:26
